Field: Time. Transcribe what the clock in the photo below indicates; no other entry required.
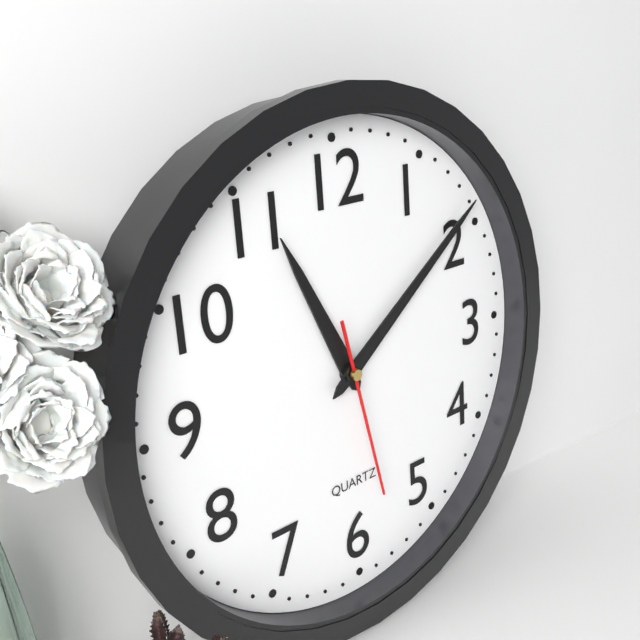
11:09:28
